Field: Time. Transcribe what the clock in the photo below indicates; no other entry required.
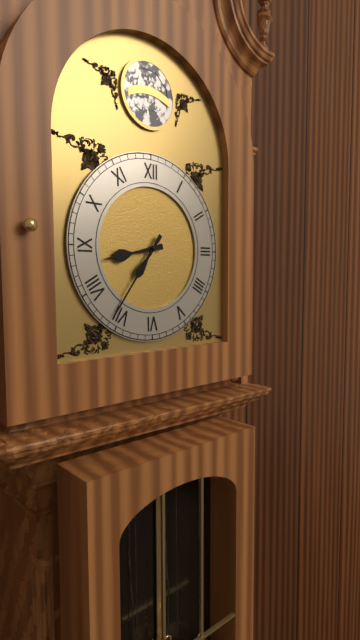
8:36
